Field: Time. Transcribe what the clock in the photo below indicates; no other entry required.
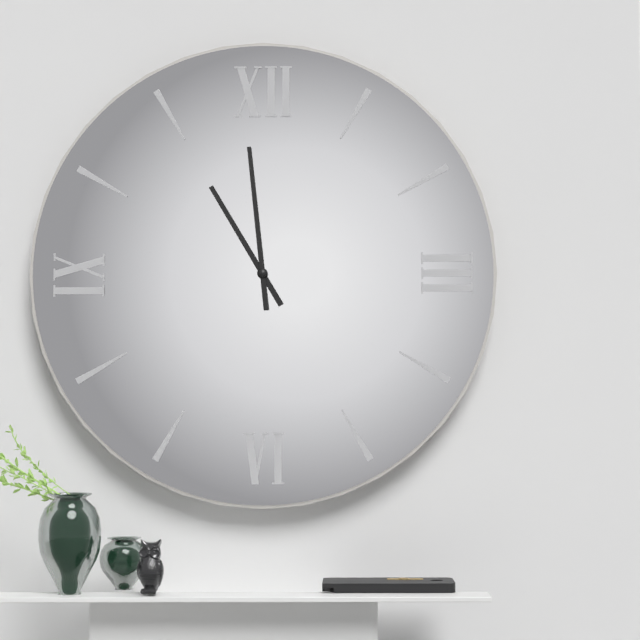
10:59
